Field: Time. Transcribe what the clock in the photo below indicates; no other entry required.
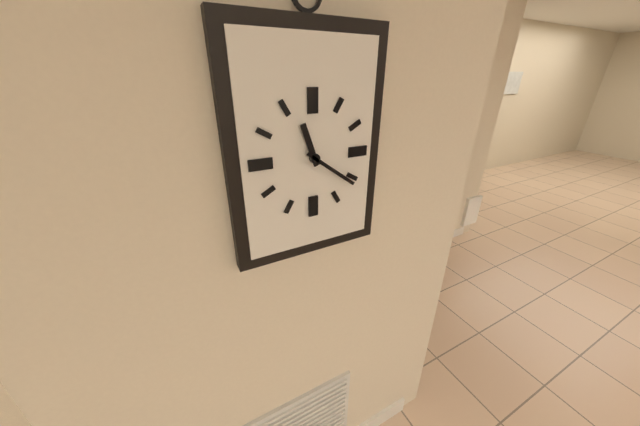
11:21
